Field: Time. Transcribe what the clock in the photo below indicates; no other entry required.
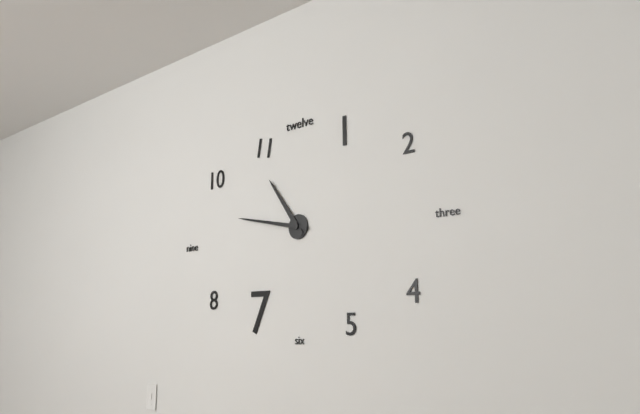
10:47
